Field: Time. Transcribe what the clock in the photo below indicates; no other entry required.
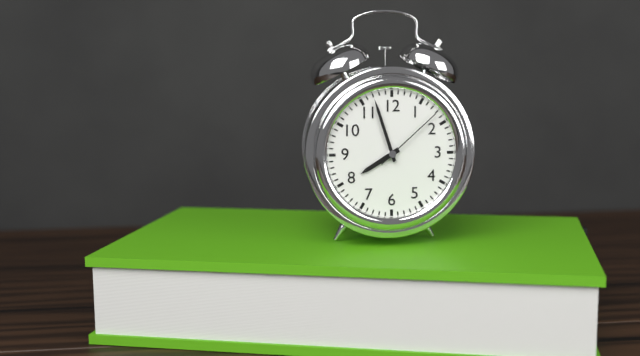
7:57:08
